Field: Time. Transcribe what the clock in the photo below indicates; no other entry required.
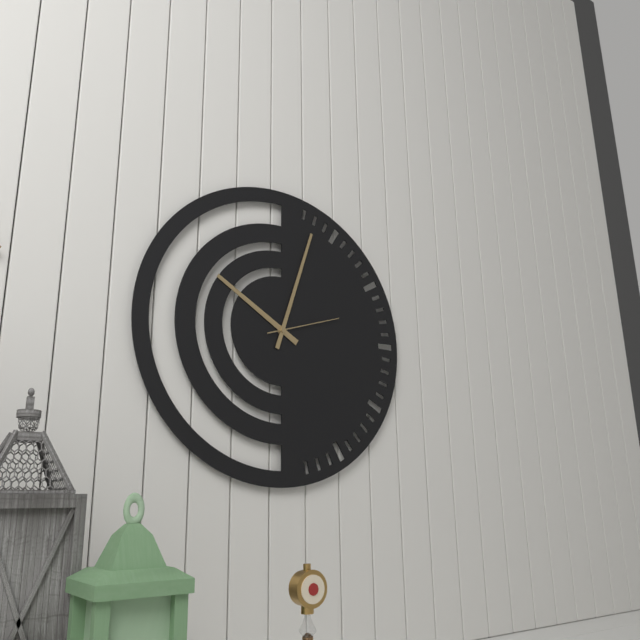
10:03:12
